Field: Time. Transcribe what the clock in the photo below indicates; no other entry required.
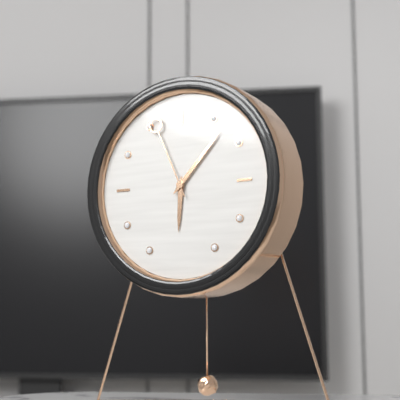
6:07:56
